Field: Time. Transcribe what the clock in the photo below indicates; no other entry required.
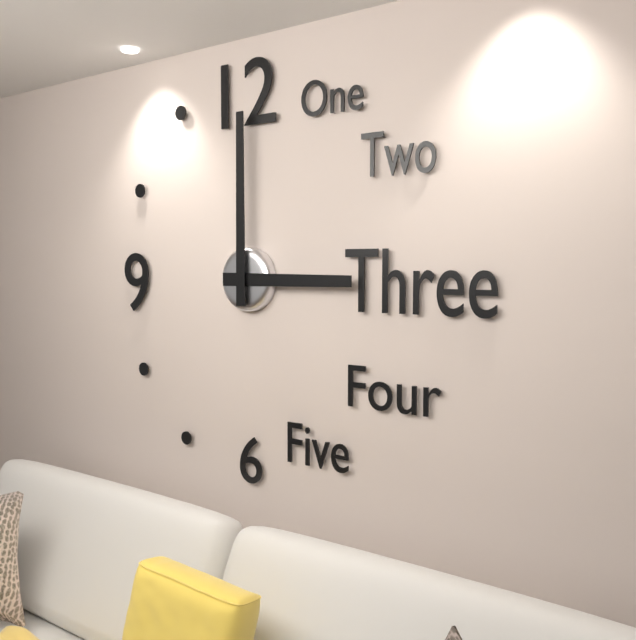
3:00
